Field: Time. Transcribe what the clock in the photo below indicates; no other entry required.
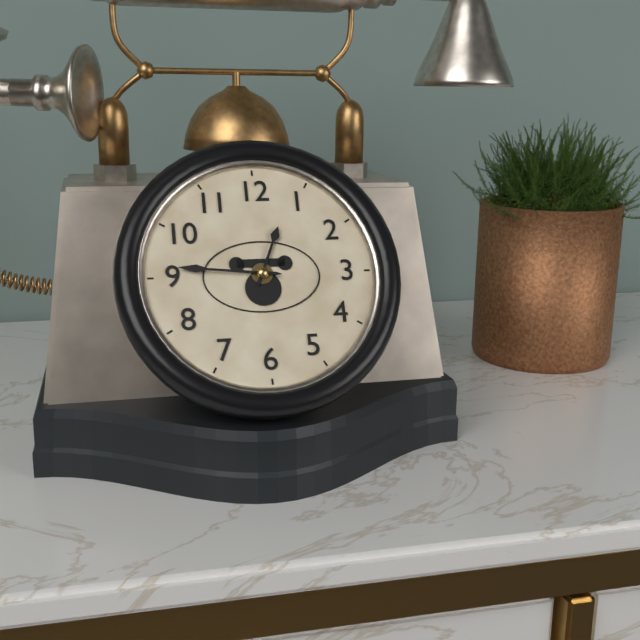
12:46
